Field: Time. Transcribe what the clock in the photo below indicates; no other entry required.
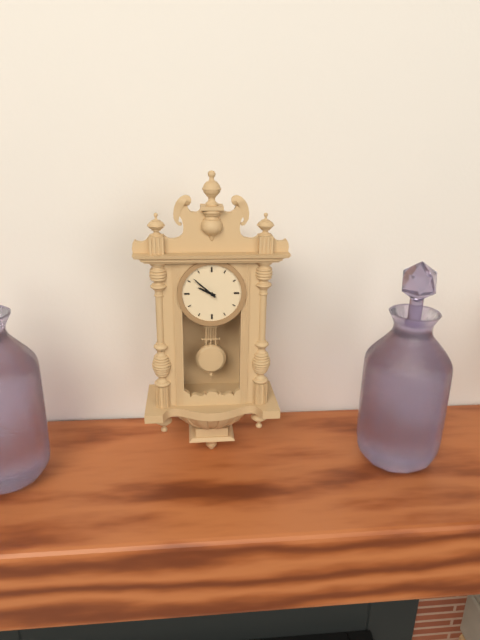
9:52
